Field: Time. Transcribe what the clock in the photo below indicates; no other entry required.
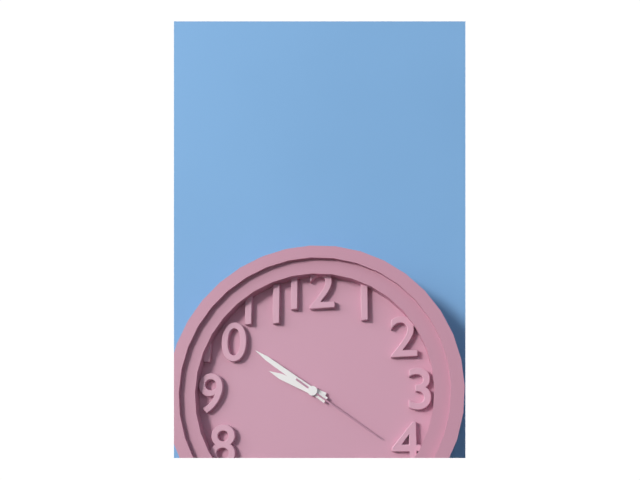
9:51:21
